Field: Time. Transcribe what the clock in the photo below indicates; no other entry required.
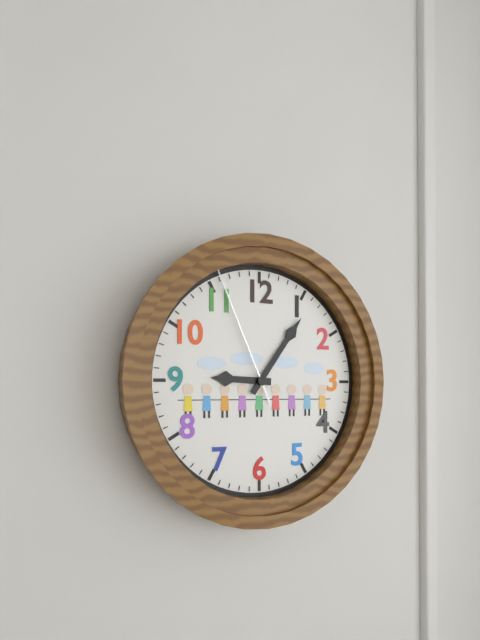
9:06:56
